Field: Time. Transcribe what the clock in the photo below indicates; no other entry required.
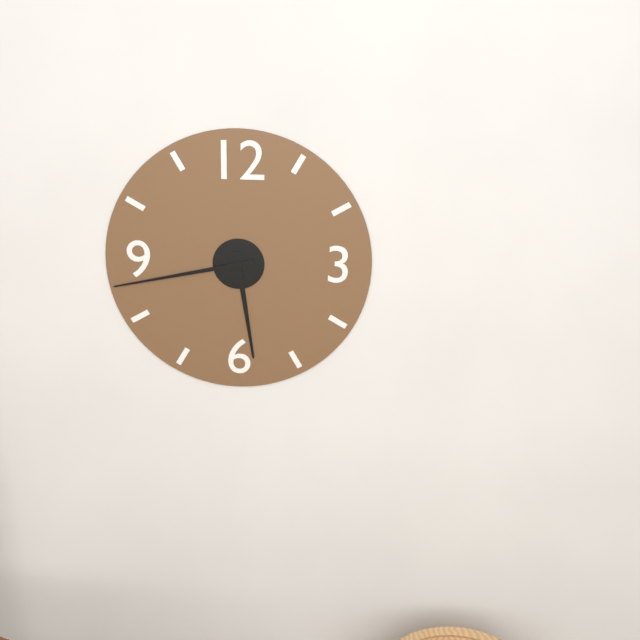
5:43
